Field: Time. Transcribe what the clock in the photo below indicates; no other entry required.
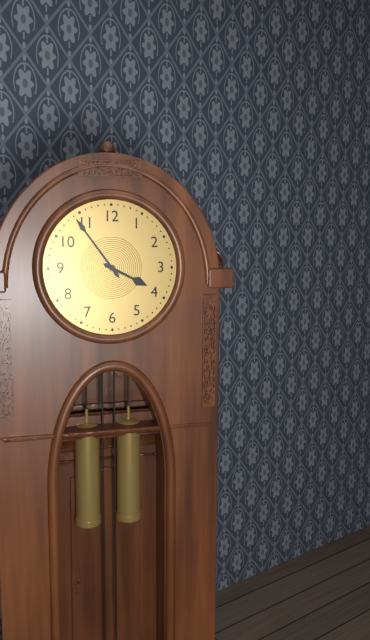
3:54
